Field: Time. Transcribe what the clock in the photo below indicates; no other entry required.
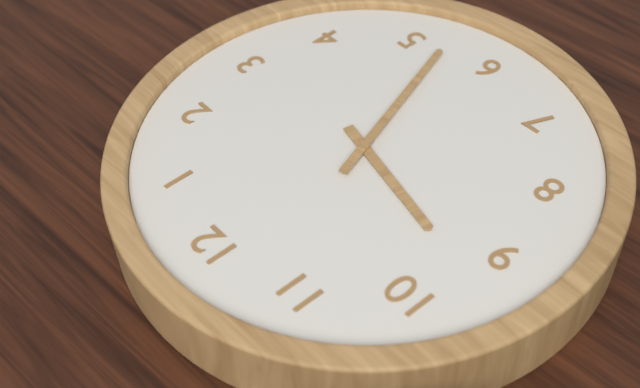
9:27
